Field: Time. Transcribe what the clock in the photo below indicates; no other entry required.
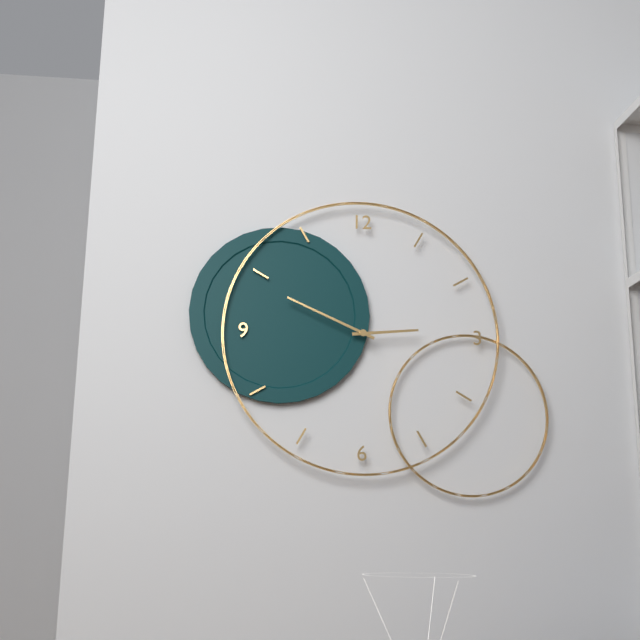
2:49
